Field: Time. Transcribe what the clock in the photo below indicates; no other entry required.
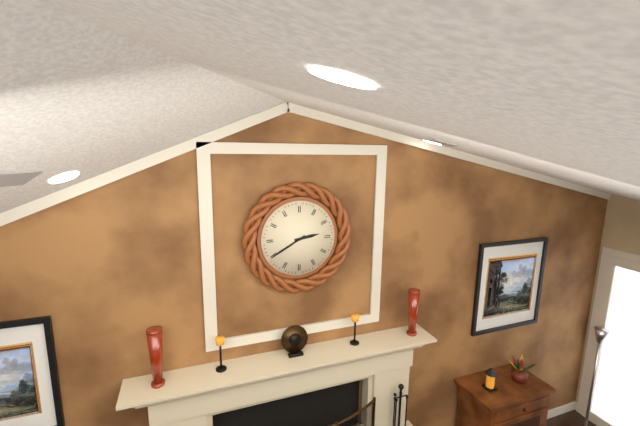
2:40
